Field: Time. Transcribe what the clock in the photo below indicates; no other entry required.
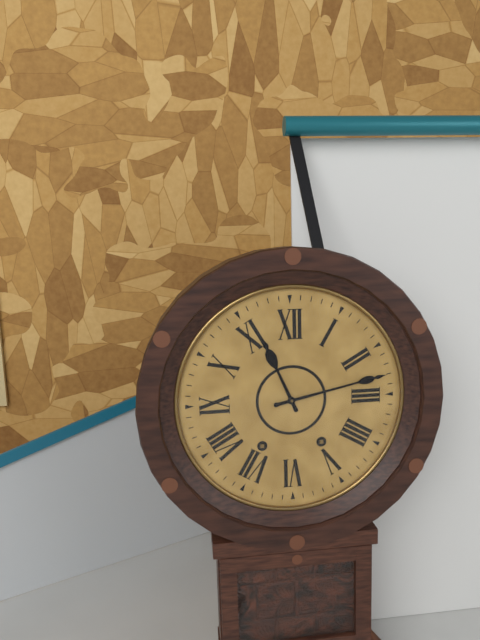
11:13
